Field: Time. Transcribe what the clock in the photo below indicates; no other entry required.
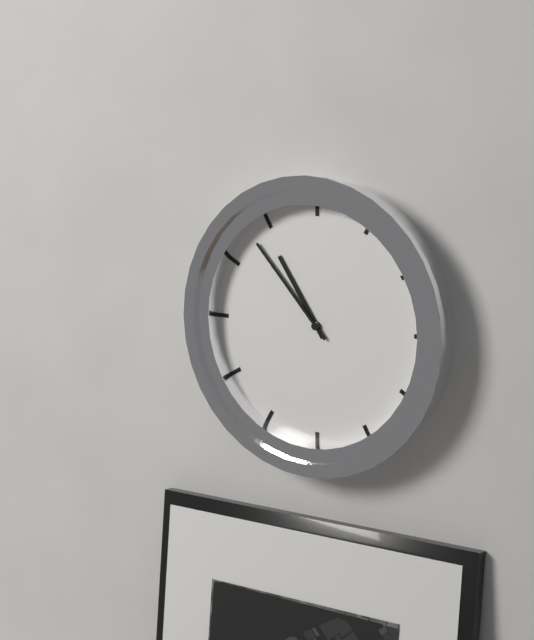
10:53
